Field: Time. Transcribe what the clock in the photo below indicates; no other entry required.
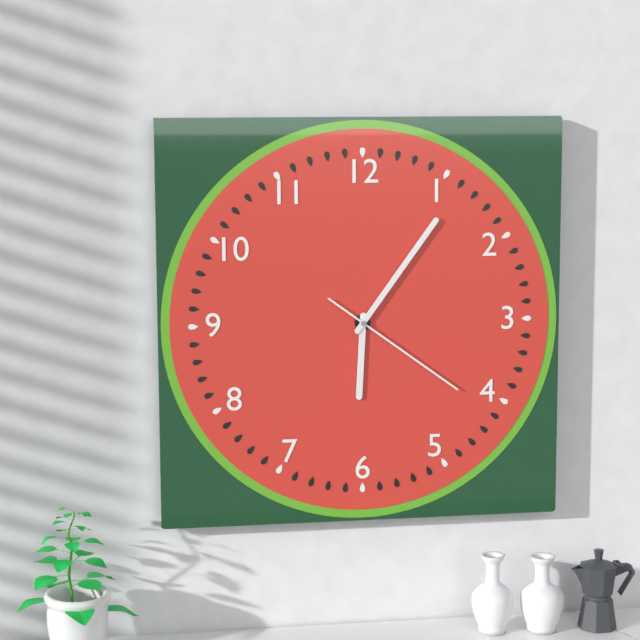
6:06:21
